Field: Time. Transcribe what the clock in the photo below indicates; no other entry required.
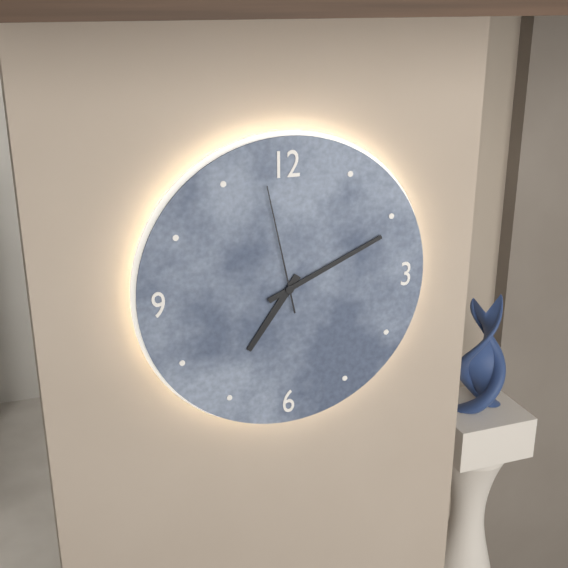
7:11:58
